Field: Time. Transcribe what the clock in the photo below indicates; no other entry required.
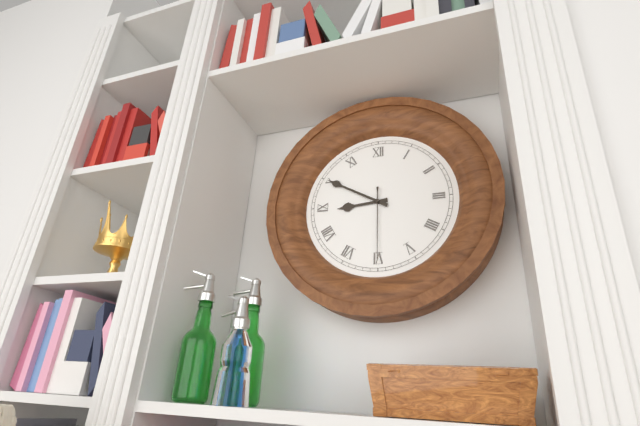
8:50:30
